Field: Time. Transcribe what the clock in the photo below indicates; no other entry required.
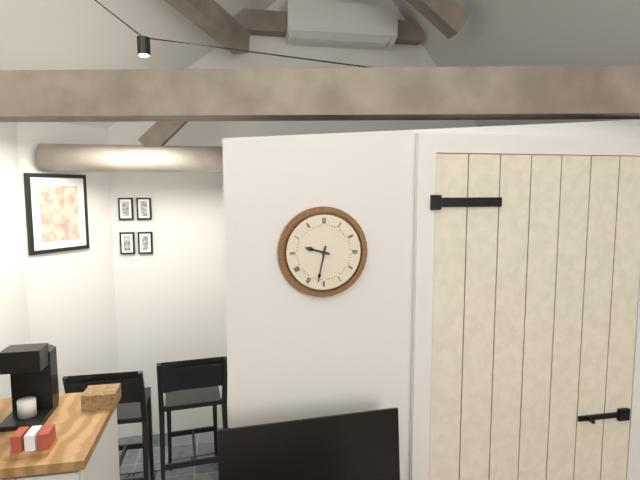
9:32
